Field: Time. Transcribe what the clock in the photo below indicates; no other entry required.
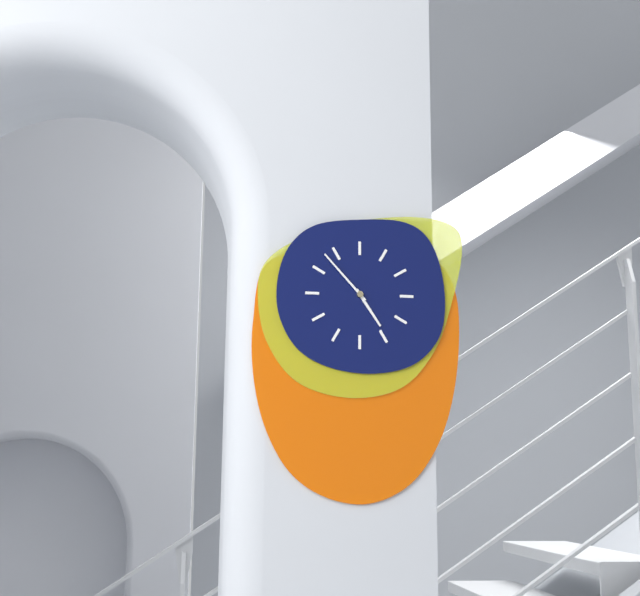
4:53
